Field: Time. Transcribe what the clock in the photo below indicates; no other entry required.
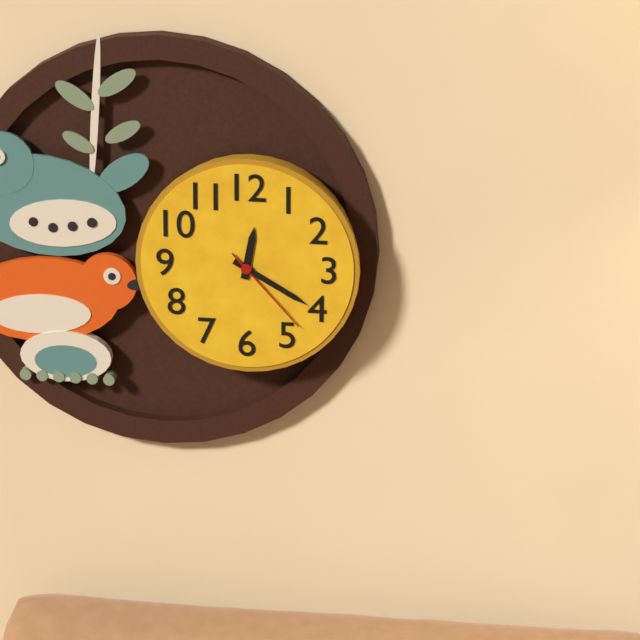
12:20:23
